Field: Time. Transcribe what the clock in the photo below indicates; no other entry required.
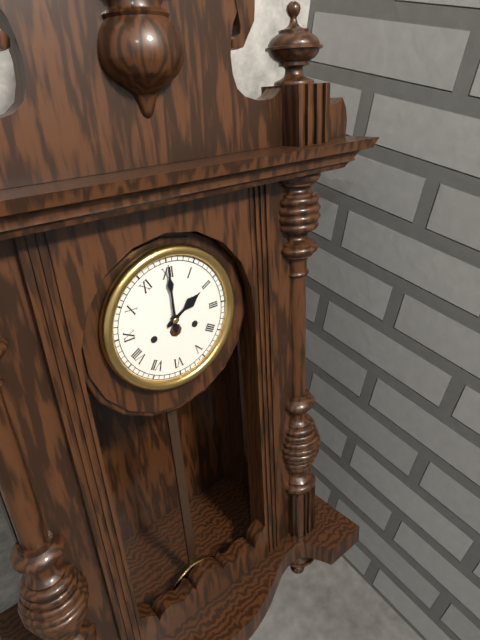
2:00
